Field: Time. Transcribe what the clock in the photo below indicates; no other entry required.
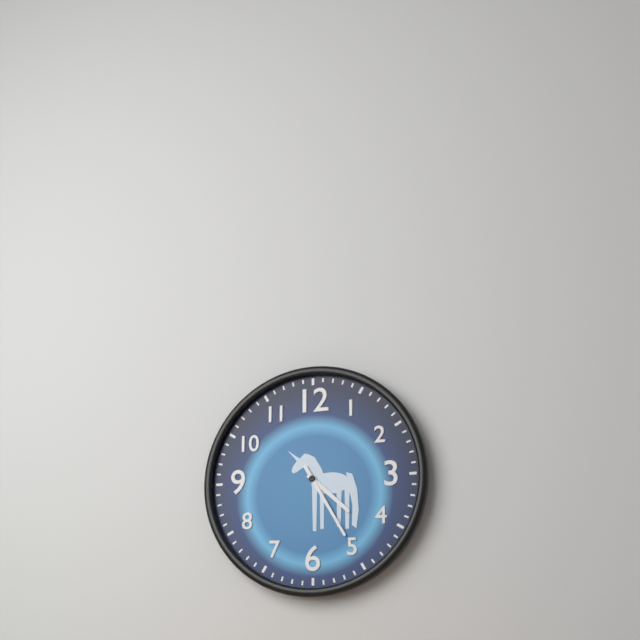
4:25
